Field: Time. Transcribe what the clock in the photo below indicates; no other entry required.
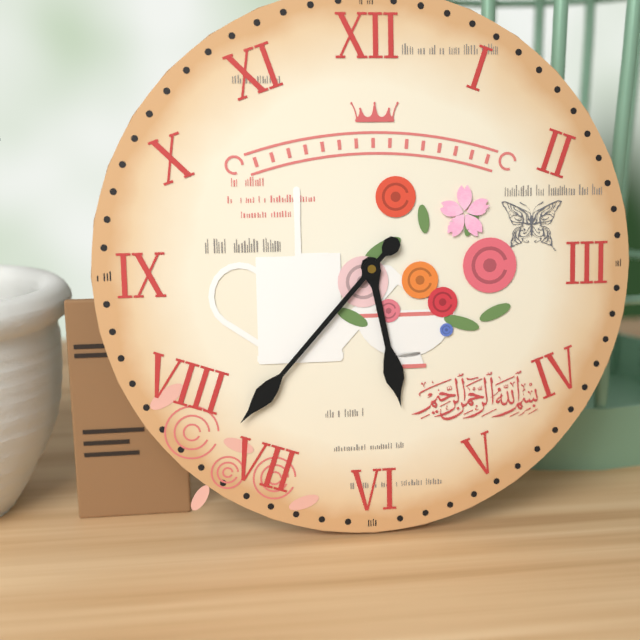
5:37
